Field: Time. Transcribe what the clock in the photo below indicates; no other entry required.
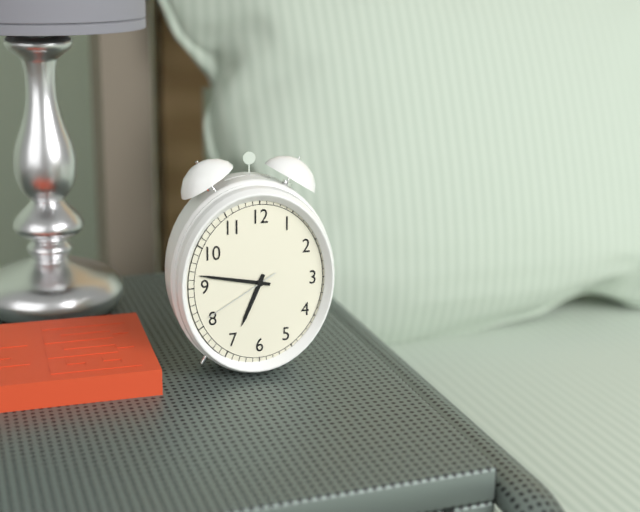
6:47:40
